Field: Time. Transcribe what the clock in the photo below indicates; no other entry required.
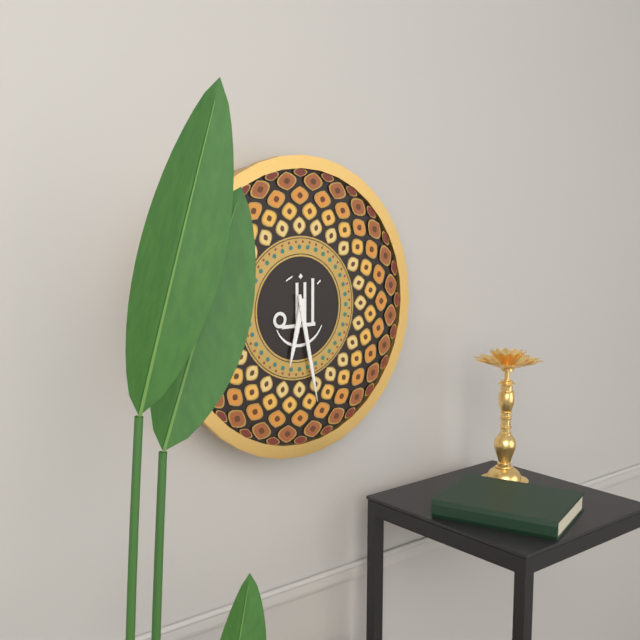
6:28
